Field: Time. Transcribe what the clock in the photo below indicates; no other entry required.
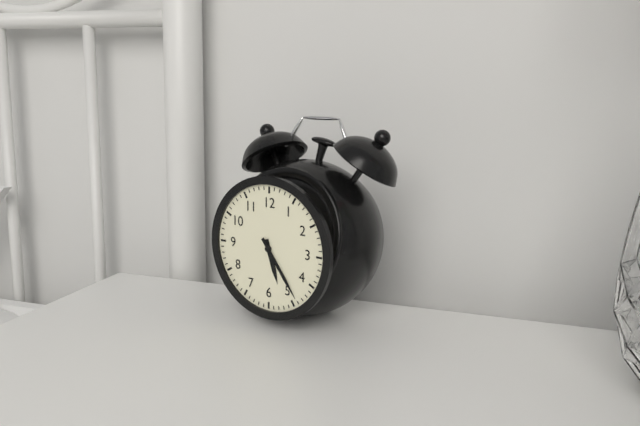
5:24
